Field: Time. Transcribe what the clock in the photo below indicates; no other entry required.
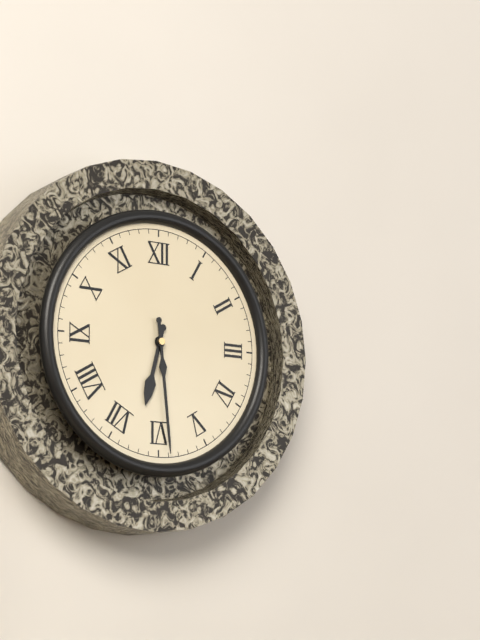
6:29
